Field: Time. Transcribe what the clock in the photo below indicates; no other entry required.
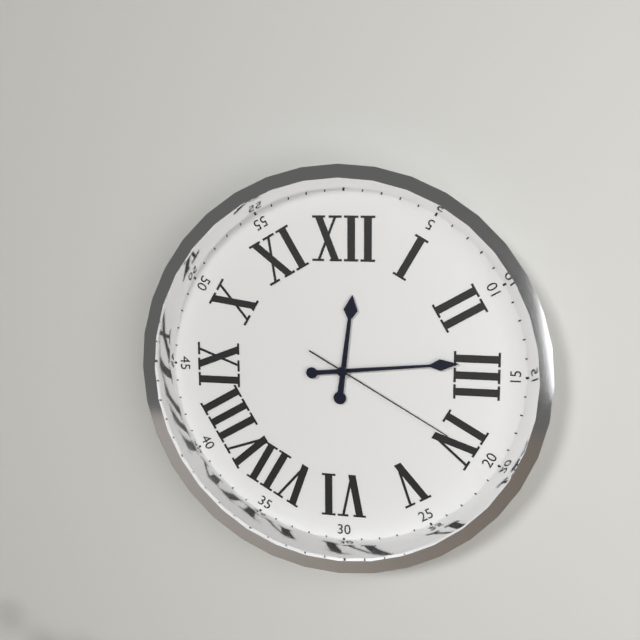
12:14:20
